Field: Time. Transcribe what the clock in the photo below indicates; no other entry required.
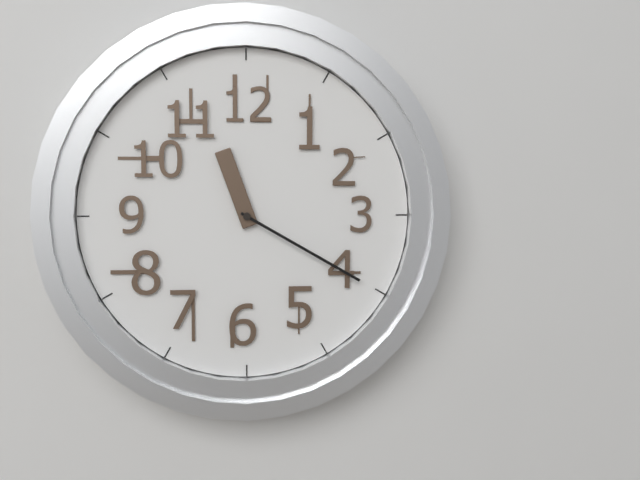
11:20
